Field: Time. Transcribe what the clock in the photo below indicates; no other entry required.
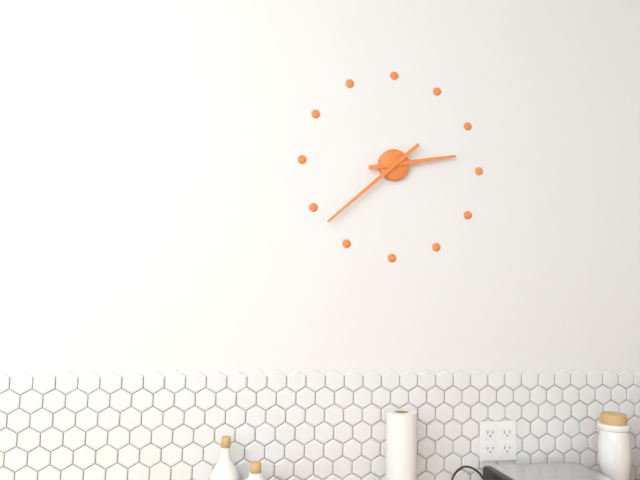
2:38
